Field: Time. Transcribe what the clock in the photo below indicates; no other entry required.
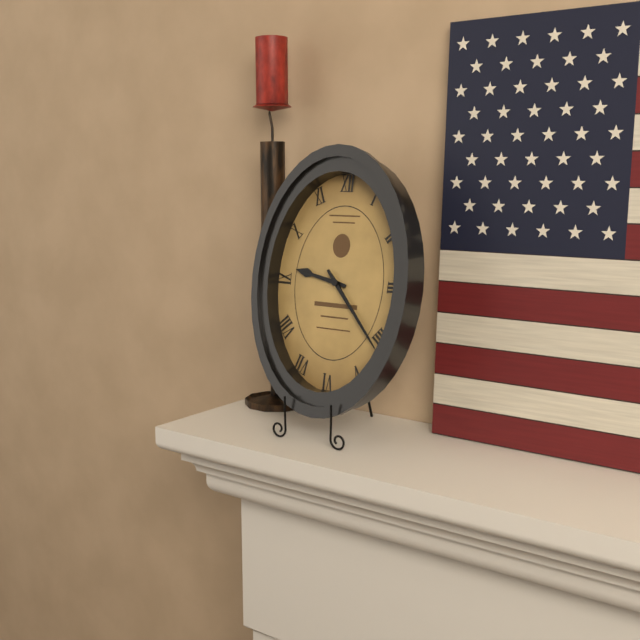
9:23
